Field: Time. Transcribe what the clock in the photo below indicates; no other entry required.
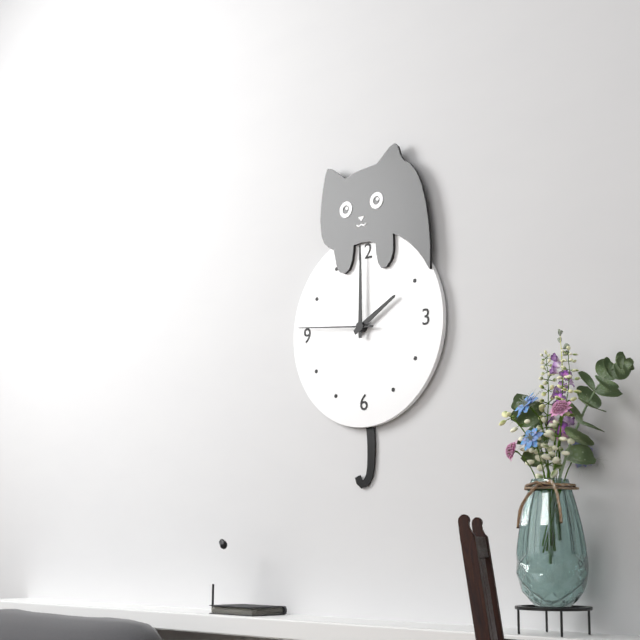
2:00:46
